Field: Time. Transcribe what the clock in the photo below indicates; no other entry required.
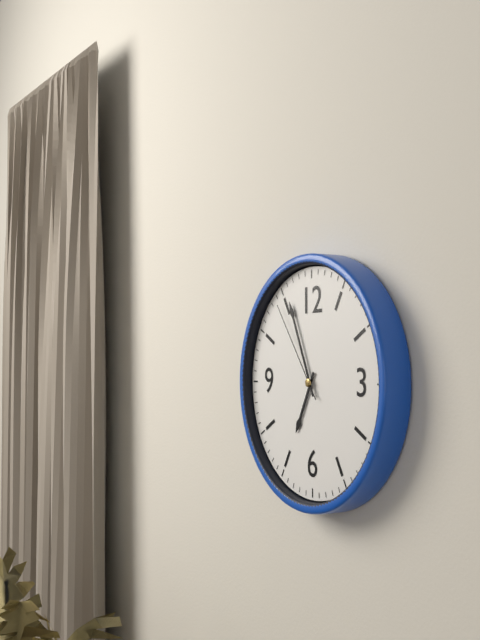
6:56:54
